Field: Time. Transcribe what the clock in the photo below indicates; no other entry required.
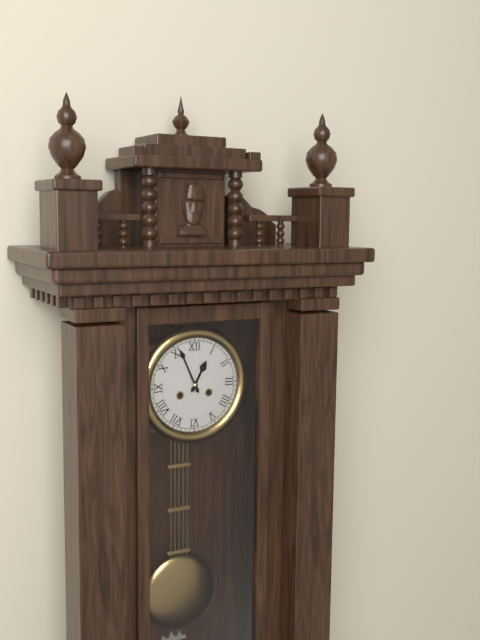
12:56
